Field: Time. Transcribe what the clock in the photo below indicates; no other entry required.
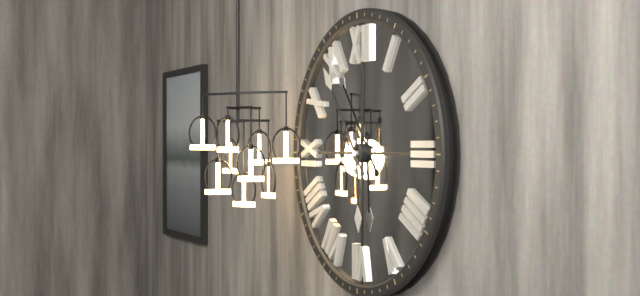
5:54
